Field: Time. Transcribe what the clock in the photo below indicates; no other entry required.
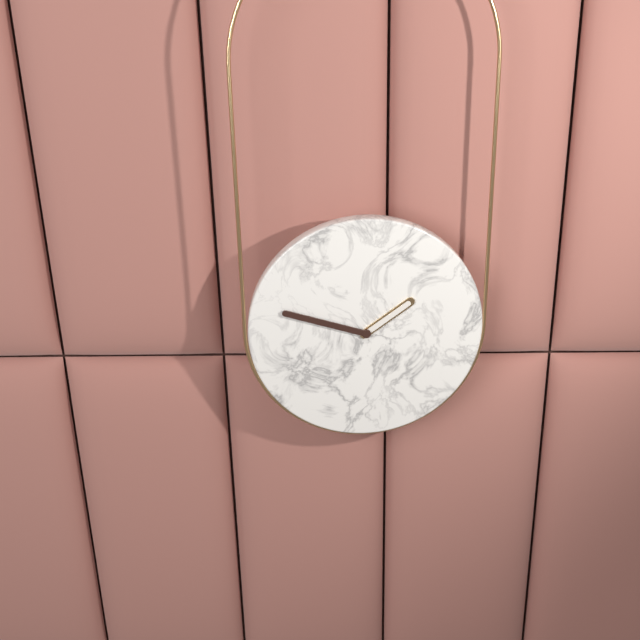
1:48
